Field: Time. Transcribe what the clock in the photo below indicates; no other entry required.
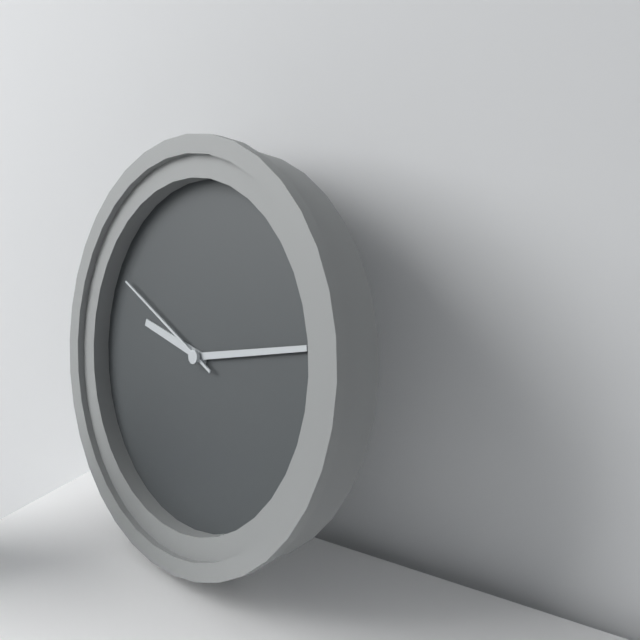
9:12:48
